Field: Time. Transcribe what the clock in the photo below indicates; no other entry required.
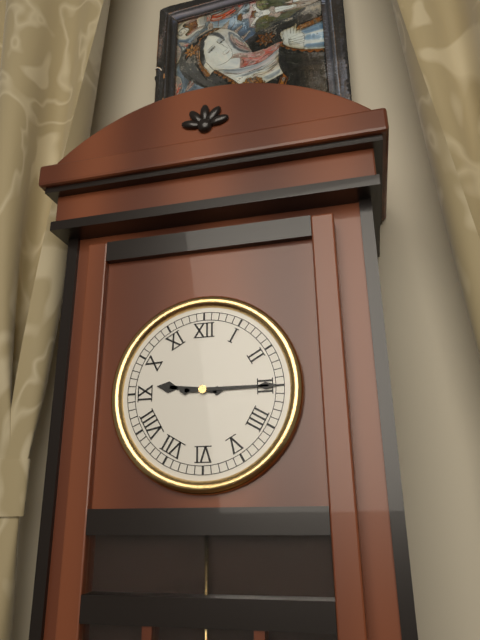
9:15
